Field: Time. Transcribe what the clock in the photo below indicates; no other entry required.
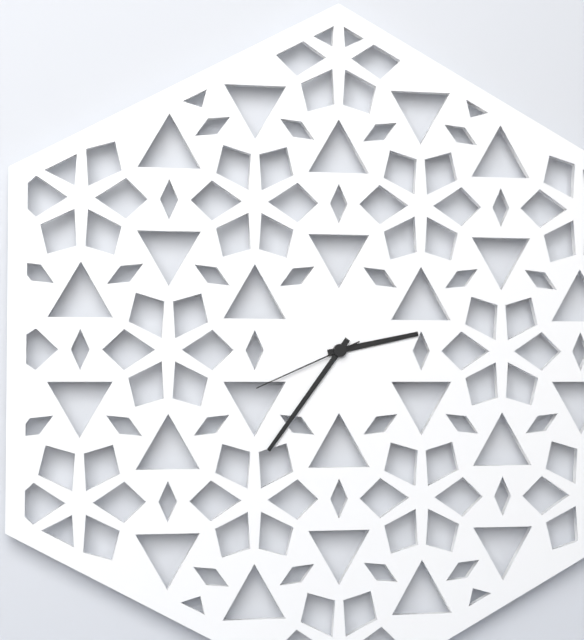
2:36:41
